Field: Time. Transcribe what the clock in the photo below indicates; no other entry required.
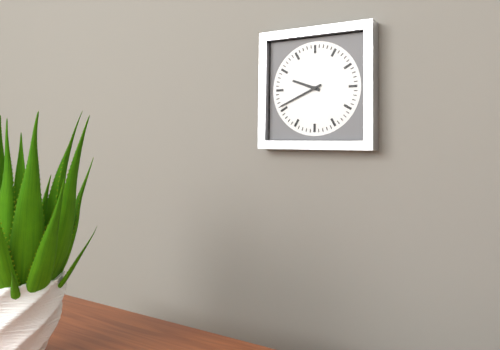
9:41
